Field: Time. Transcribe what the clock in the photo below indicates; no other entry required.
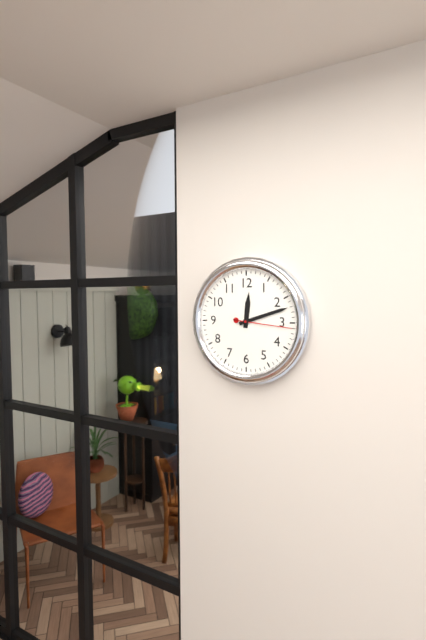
12:12:16
